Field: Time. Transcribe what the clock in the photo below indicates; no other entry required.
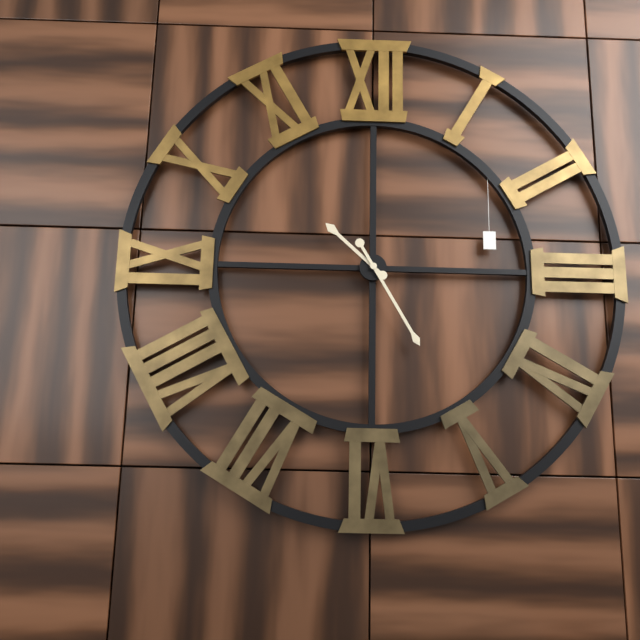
10:25
